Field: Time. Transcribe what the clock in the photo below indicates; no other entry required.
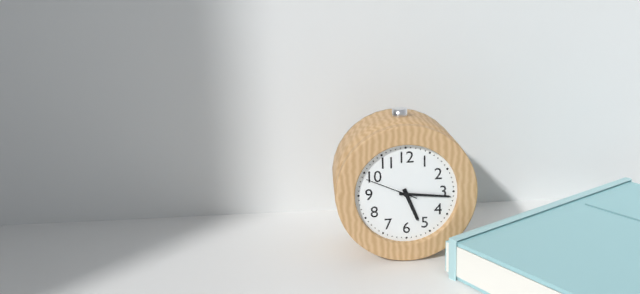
5:16:49
